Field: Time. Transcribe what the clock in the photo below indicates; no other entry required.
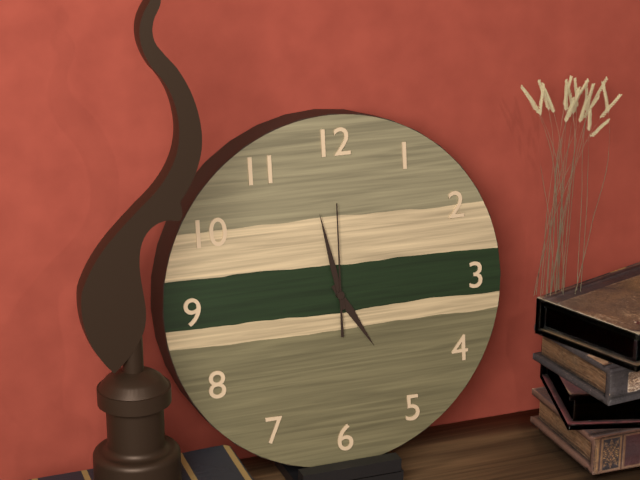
4:58:00
